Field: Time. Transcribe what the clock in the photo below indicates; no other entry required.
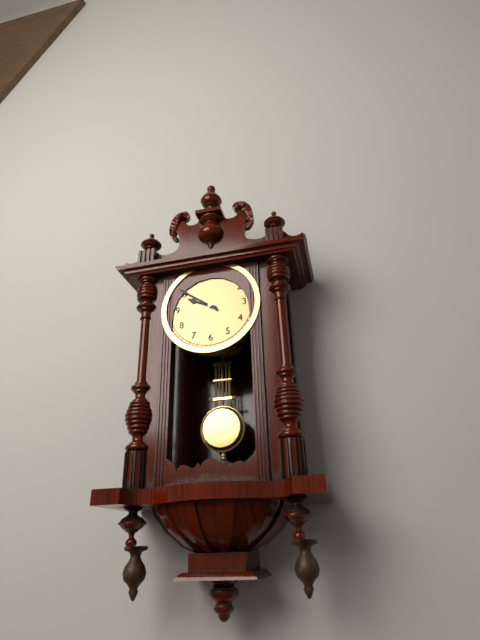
9:51
